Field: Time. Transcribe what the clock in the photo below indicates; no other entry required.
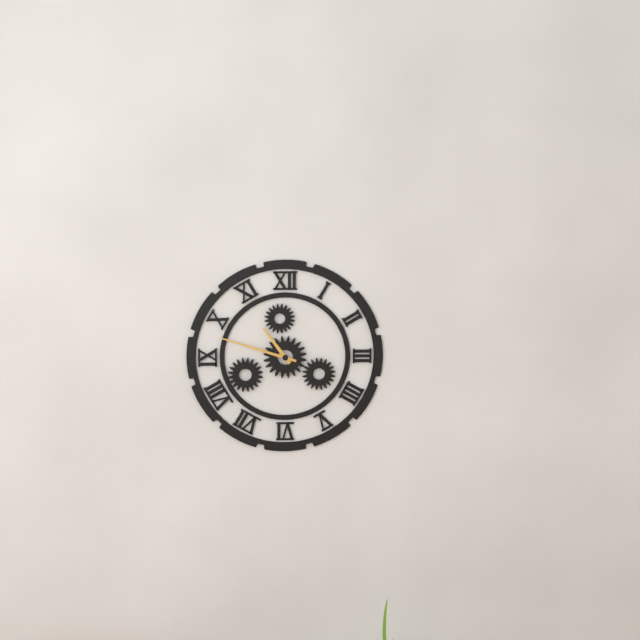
10:48
